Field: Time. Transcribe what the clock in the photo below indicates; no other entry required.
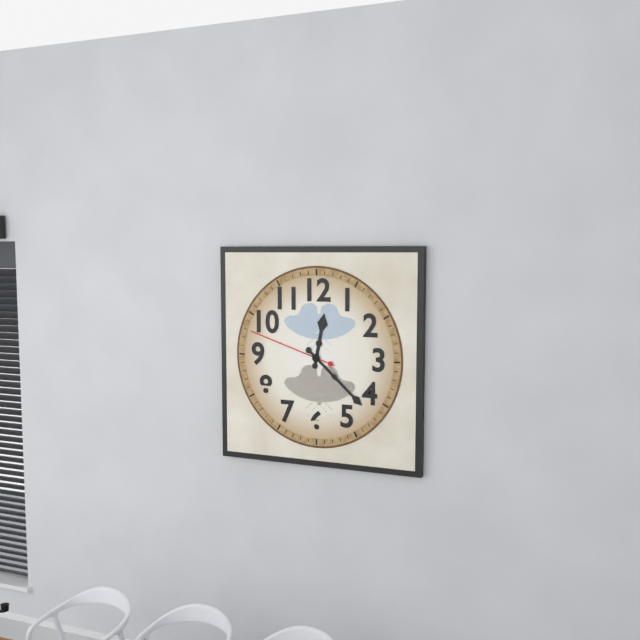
12:22:48
